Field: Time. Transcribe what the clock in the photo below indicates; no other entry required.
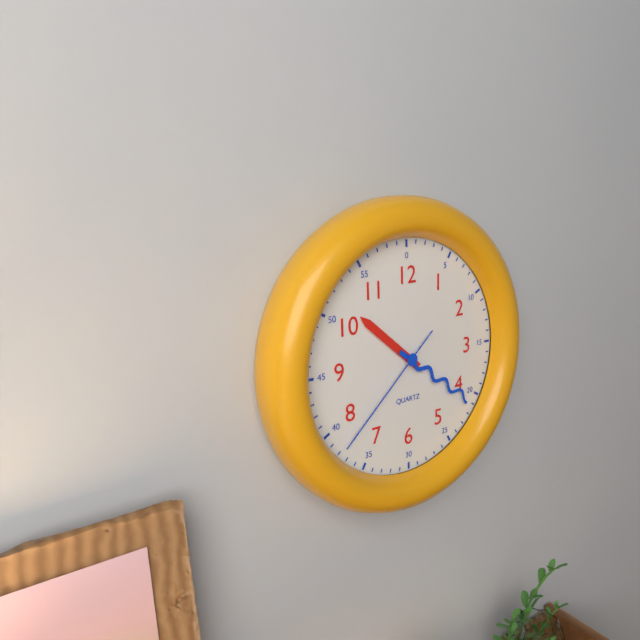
10:21:38
